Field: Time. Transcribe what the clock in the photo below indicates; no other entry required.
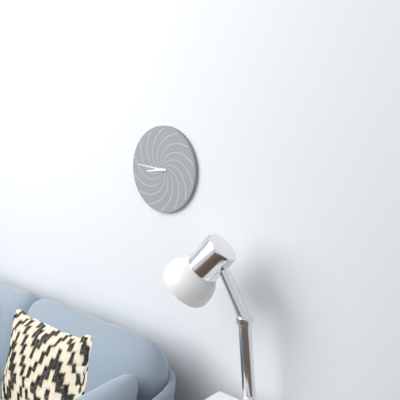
8:46
